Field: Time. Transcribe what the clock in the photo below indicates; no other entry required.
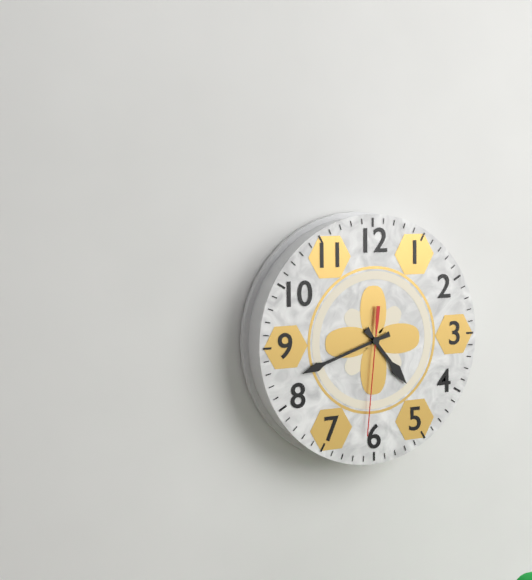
4:42:31
